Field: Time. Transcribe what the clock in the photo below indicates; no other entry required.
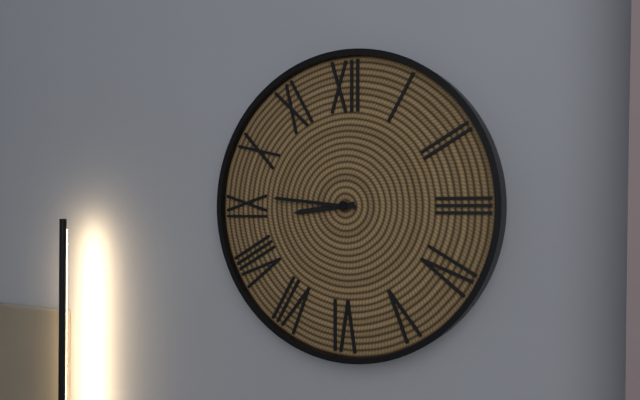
8:46
